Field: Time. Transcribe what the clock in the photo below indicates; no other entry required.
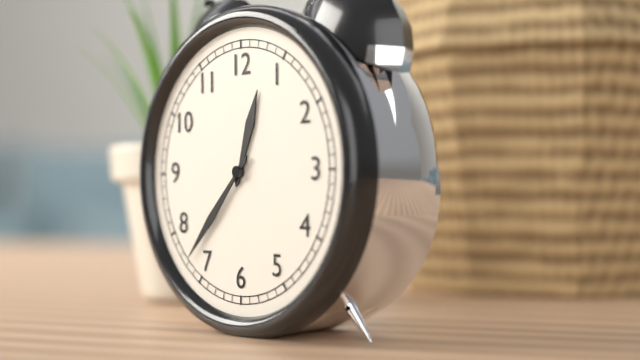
12:37
